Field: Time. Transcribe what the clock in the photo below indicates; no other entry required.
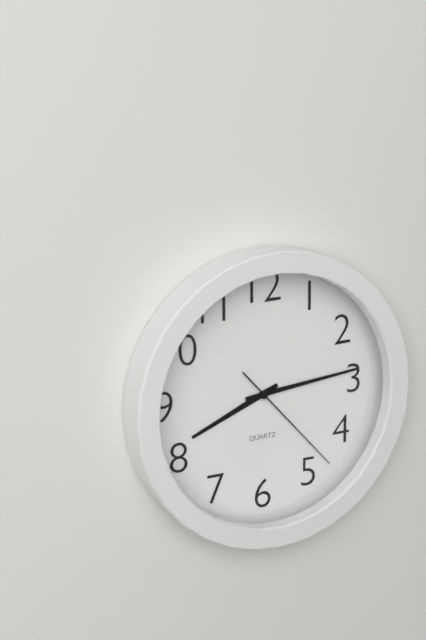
8:14:23
